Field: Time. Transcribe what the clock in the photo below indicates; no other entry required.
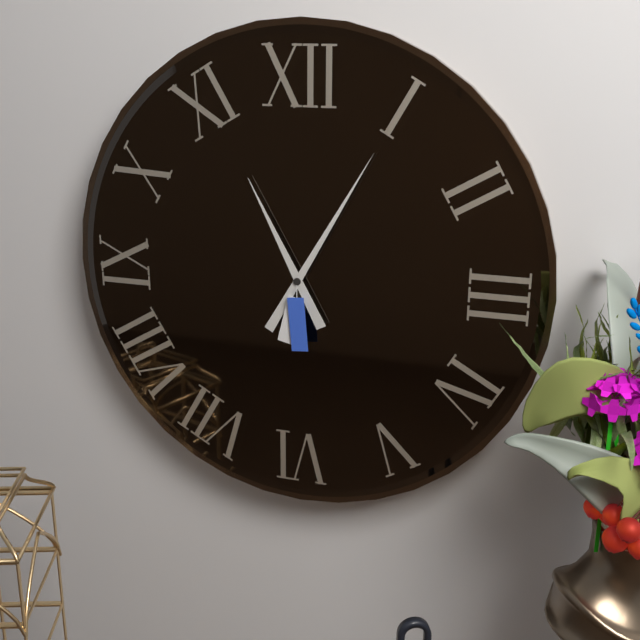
11:05
